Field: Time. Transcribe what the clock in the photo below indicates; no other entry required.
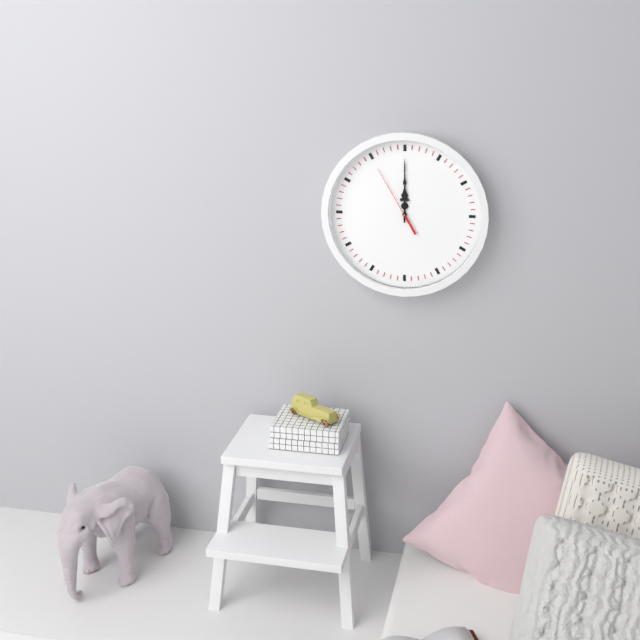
12:00:55
